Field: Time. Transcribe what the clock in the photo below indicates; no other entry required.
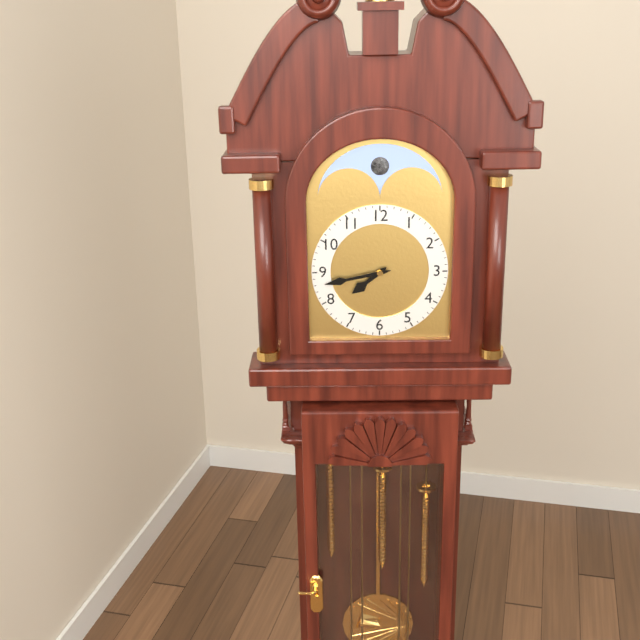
7:43
